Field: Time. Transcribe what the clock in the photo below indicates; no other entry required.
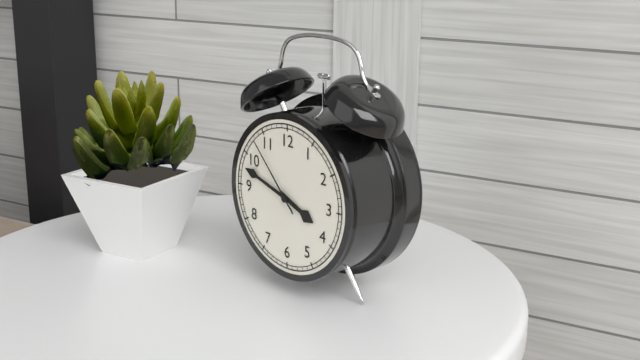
3:48:53
